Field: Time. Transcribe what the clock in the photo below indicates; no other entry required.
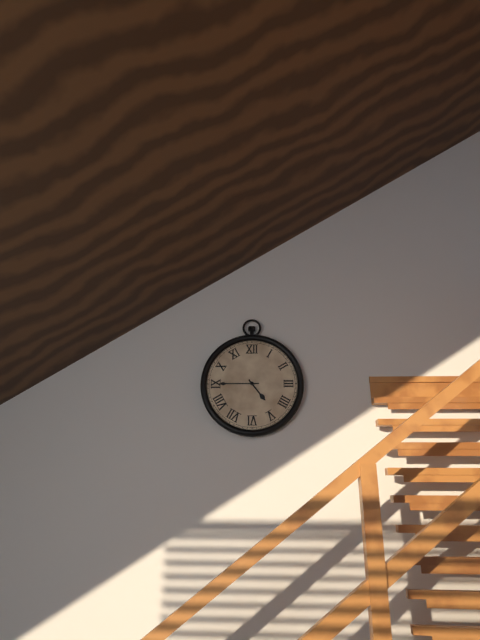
4:45
